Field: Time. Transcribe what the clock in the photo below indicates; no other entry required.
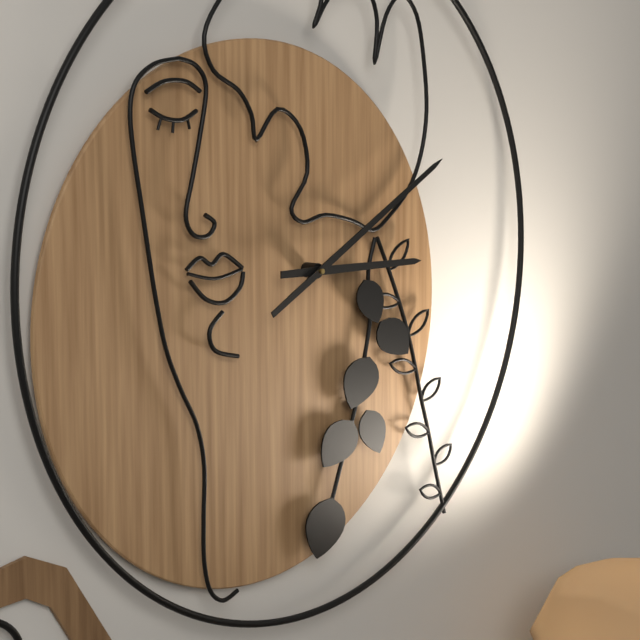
3:11
